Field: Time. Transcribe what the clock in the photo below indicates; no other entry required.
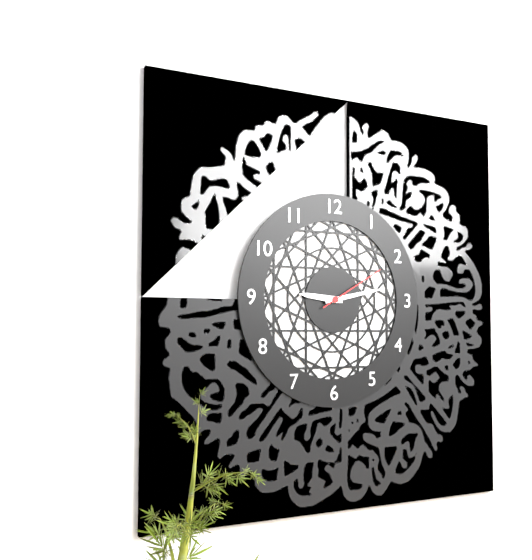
9:13:10
